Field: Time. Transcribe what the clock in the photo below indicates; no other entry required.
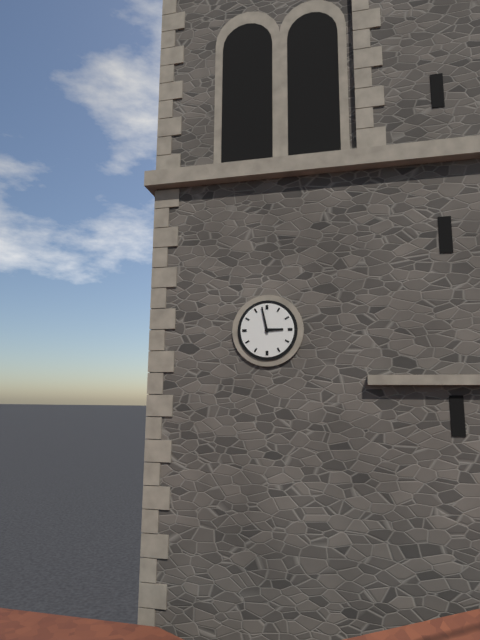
2:58
